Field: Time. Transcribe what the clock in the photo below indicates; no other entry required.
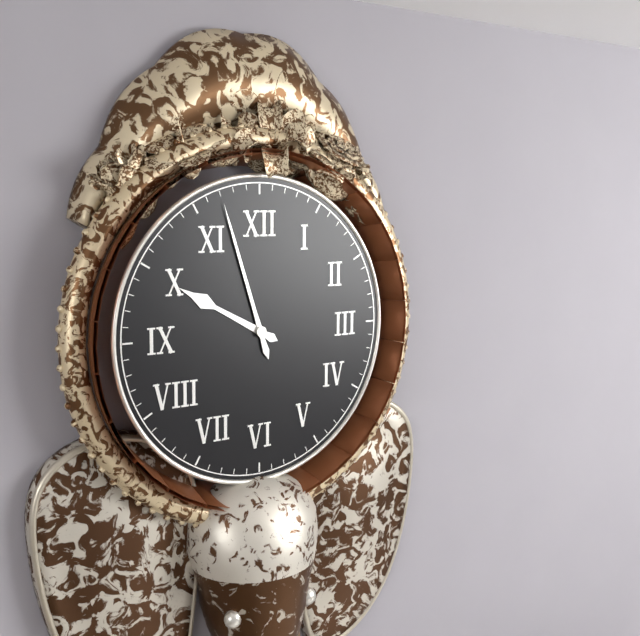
9:57
